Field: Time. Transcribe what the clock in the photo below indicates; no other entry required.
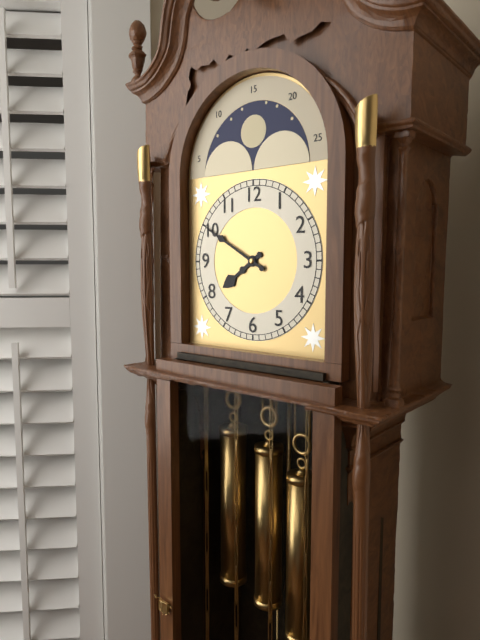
7:50
